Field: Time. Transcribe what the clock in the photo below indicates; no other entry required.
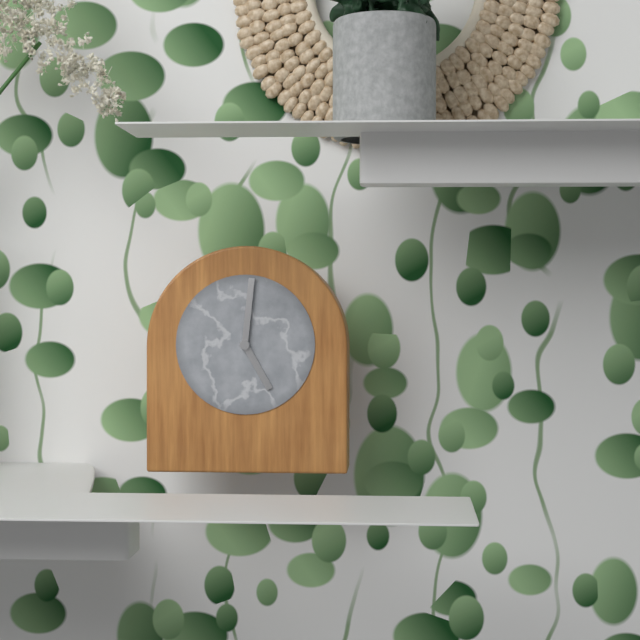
5:01
